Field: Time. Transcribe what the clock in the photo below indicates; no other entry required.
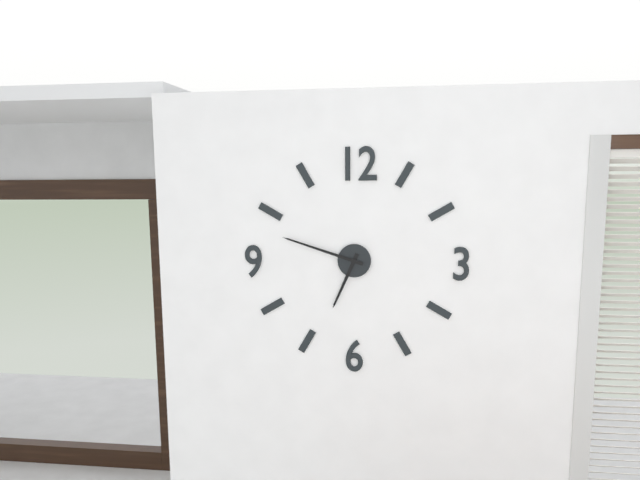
6:48
